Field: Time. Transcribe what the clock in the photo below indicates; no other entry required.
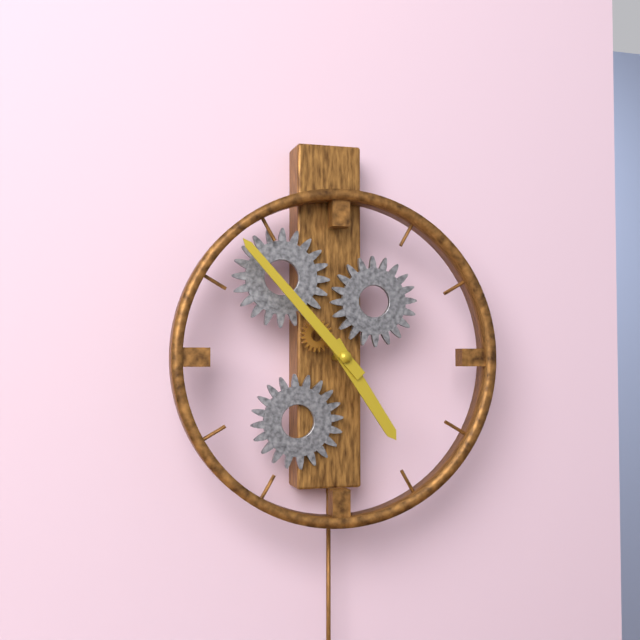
4:53
